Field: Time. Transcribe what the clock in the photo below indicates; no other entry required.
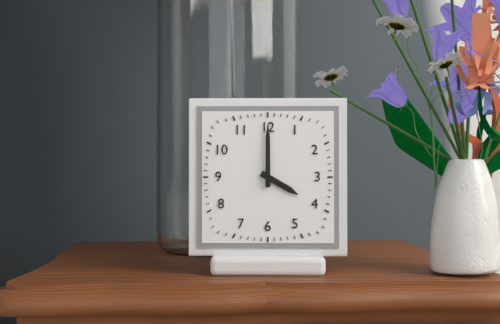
4:00
